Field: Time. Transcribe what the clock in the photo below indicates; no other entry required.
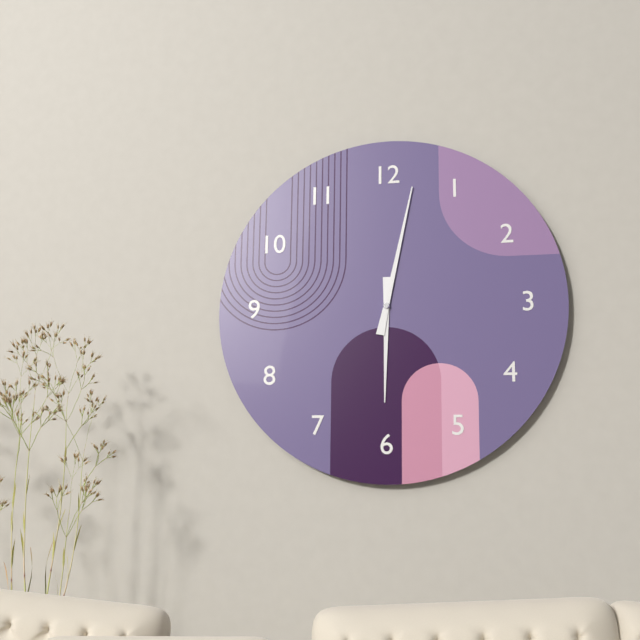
6:02
